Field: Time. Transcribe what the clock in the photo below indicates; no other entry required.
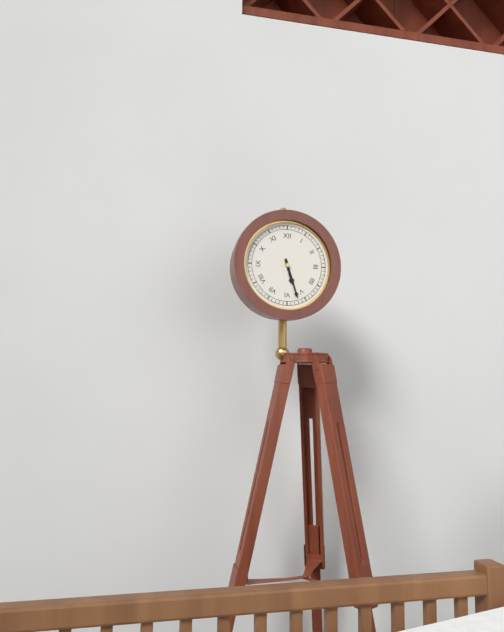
5:27
